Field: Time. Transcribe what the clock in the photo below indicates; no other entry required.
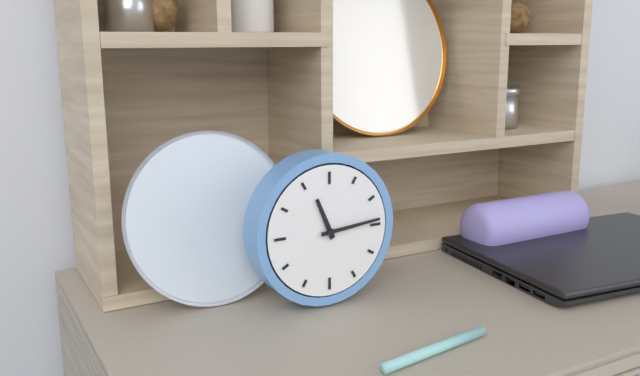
11:14
